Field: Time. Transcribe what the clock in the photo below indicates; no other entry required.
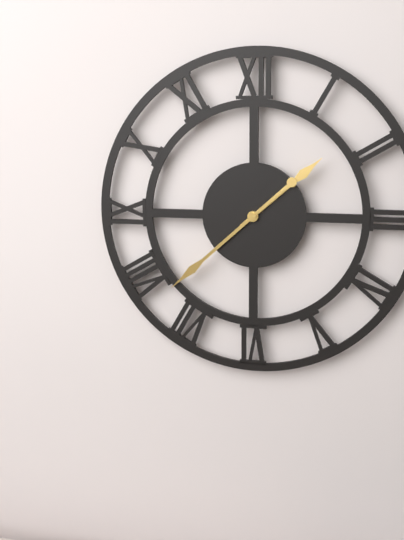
1:38
